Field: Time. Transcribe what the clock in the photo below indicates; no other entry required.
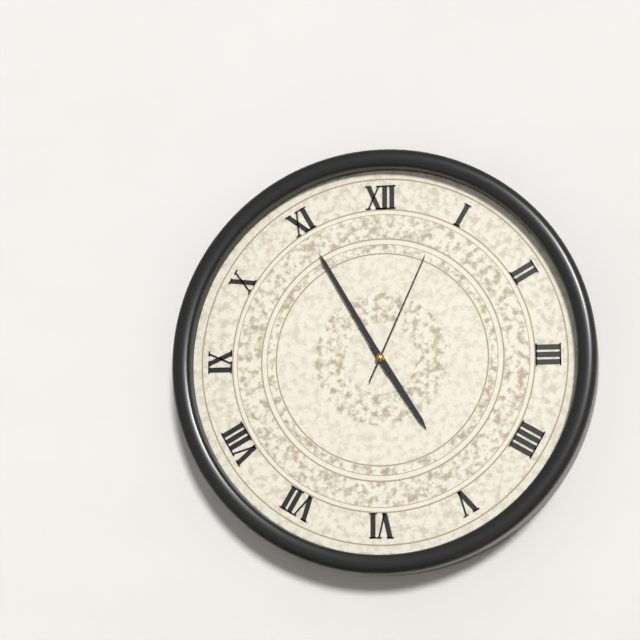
4:55:04
